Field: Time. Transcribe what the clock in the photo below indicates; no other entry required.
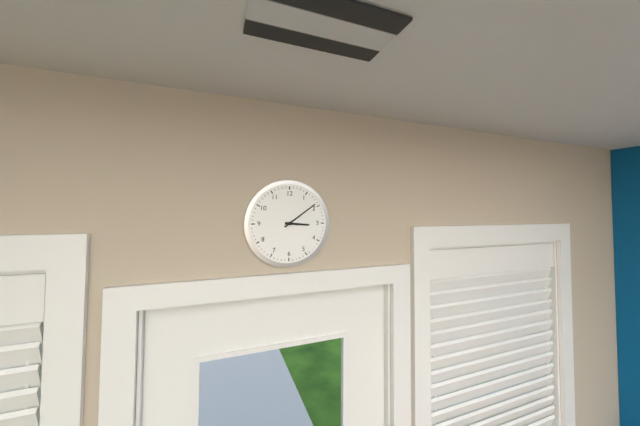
3:09
